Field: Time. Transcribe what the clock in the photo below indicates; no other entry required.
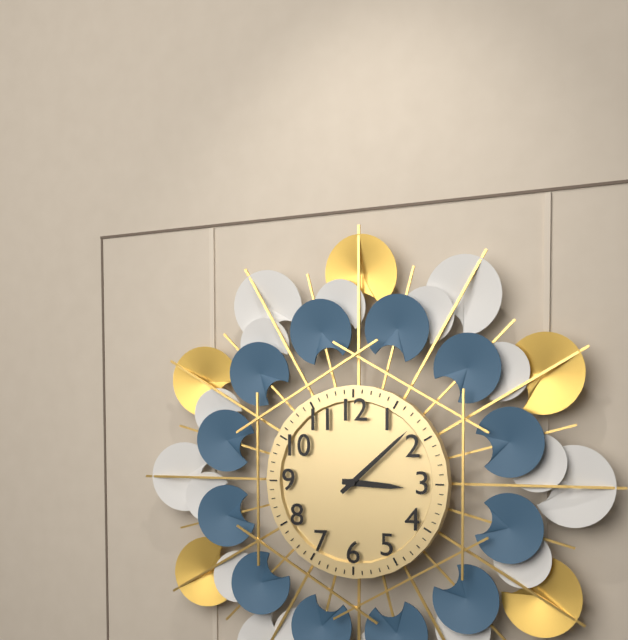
3:08
